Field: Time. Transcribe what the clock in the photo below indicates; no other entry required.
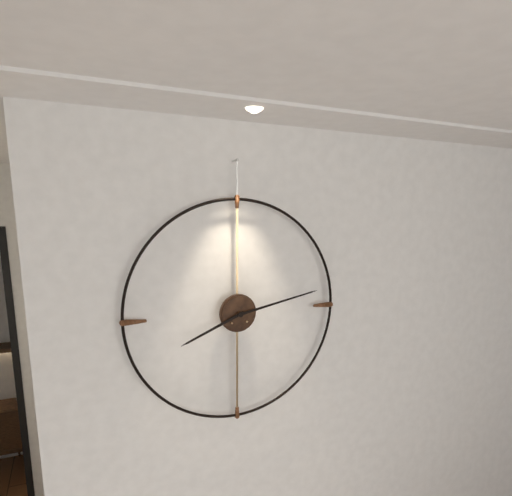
8:13
